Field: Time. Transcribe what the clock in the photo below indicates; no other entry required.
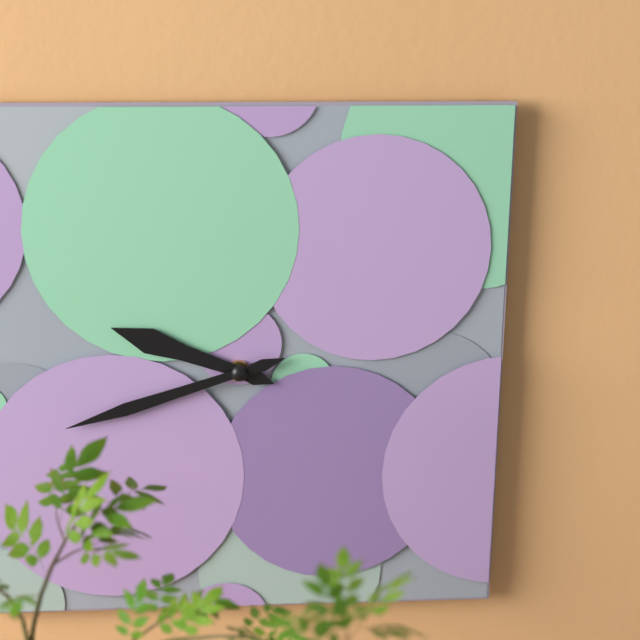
9:42
